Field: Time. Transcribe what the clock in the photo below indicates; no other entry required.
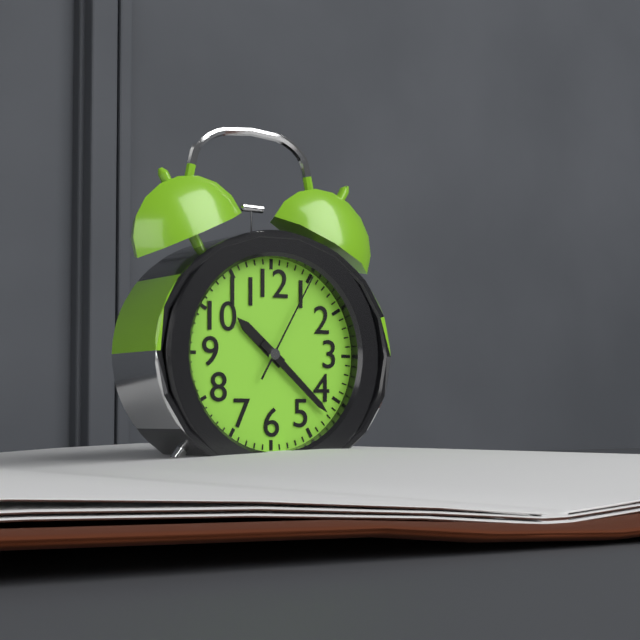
10:22:05
